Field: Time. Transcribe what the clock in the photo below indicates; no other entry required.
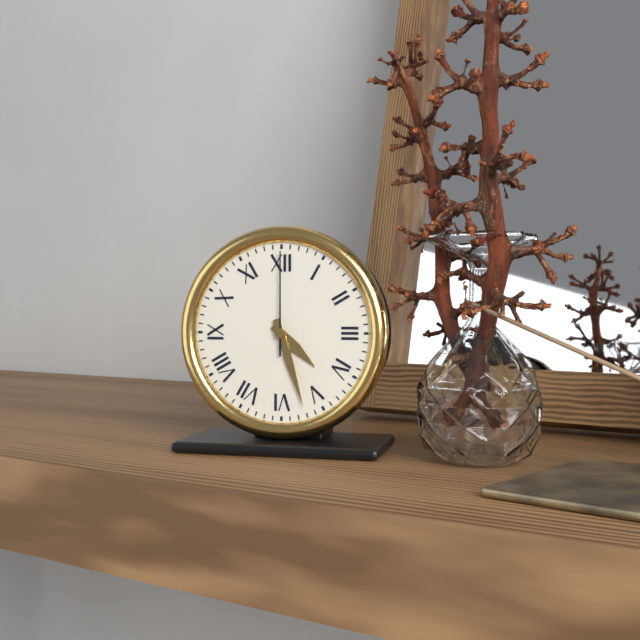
4:27:00
